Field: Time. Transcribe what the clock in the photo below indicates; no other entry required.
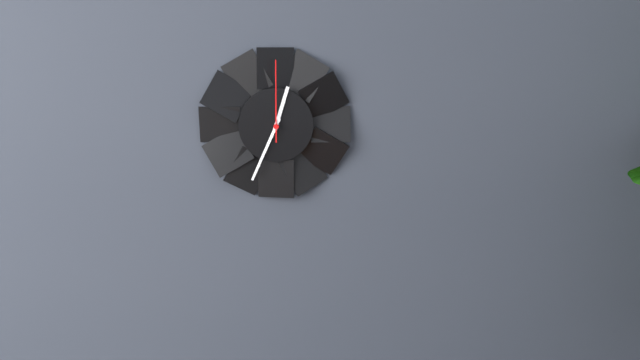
12:34:00
